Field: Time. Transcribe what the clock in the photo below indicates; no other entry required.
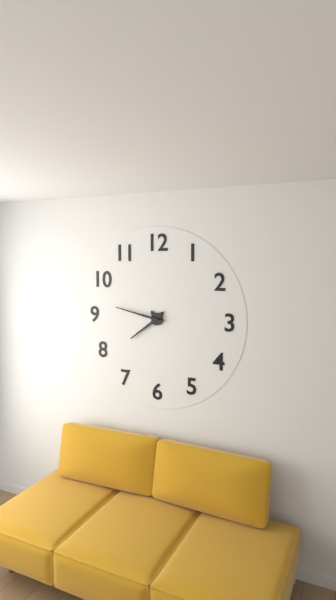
7:47
